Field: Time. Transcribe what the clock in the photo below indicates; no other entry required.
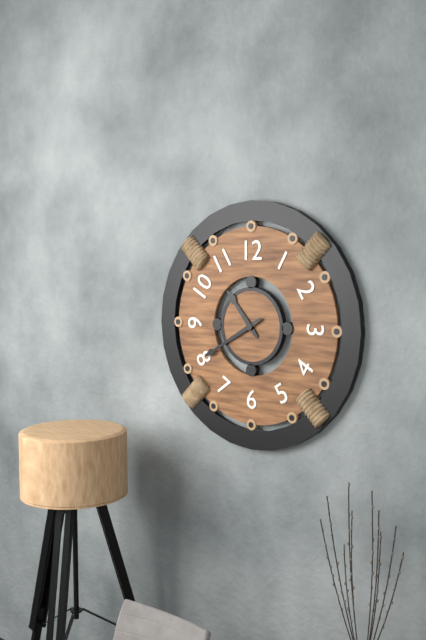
10:40
